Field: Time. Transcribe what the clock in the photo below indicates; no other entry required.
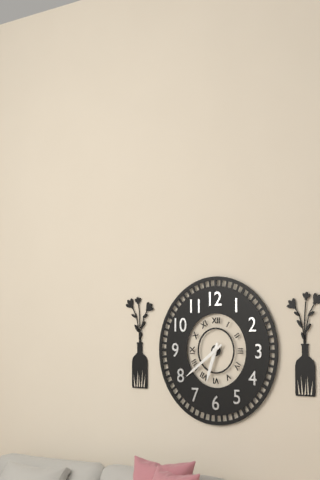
6:39
